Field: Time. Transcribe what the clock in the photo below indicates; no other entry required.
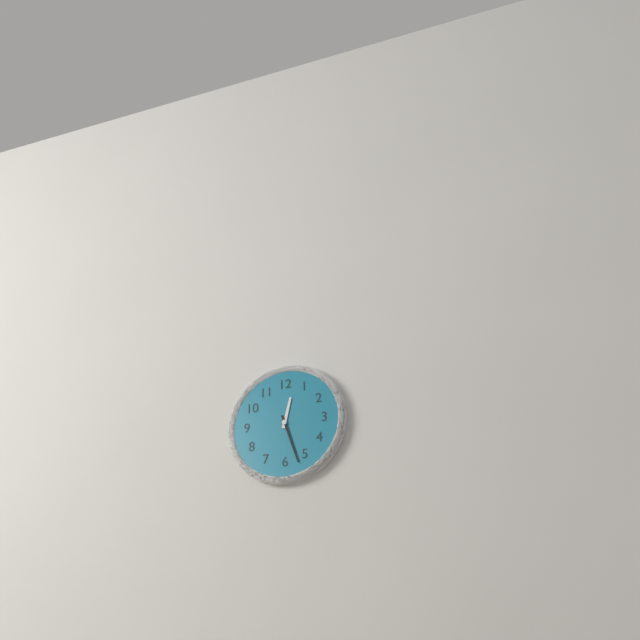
12:27
